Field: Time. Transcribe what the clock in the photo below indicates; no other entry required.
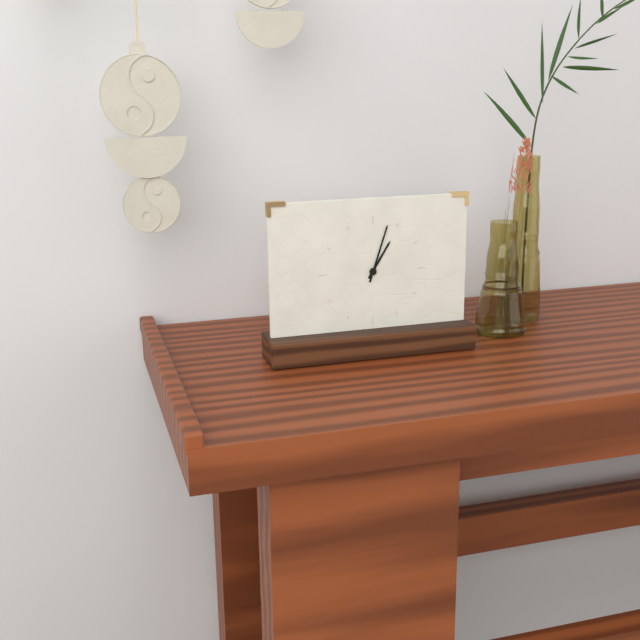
1:03
